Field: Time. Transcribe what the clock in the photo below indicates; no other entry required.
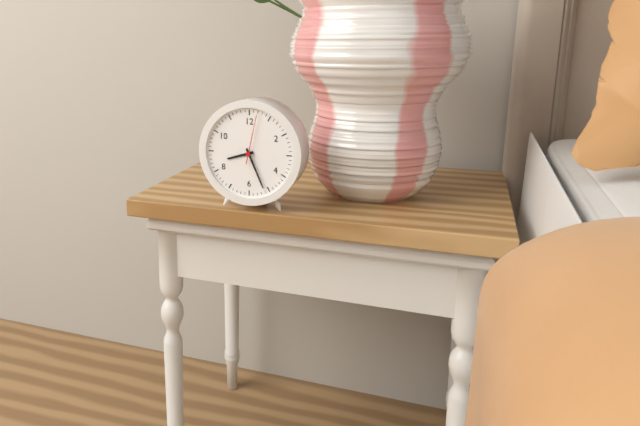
8:26
